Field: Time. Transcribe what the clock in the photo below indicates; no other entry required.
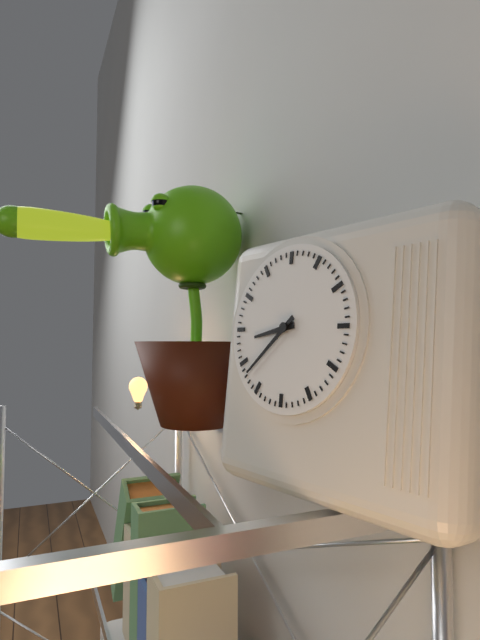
8:38
